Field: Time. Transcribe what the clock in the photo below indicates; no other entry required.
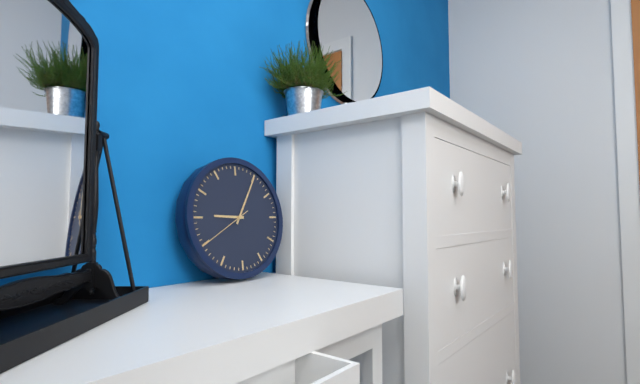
9:05:40
